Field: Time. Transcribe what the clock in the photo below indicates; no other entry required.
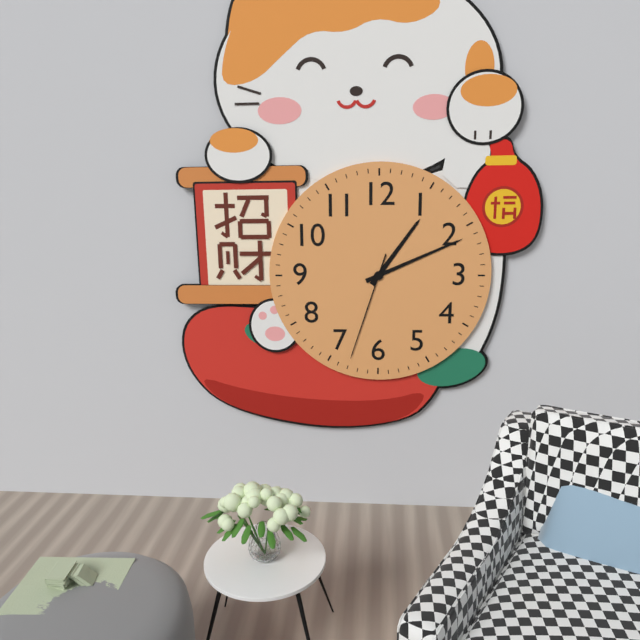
1:11:33
